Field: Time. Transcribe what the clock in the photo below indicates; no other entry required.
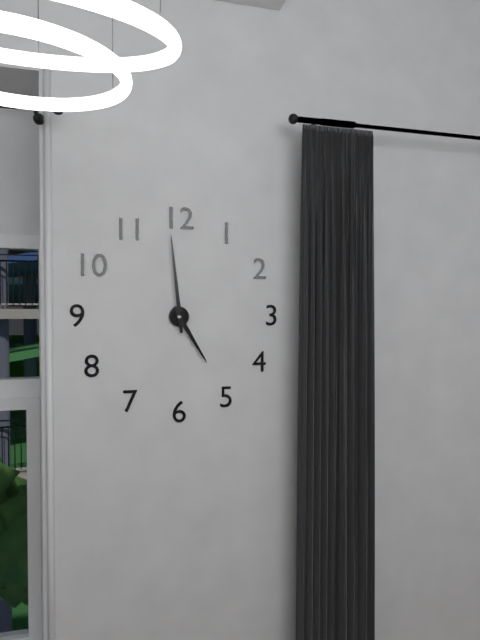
4:59
